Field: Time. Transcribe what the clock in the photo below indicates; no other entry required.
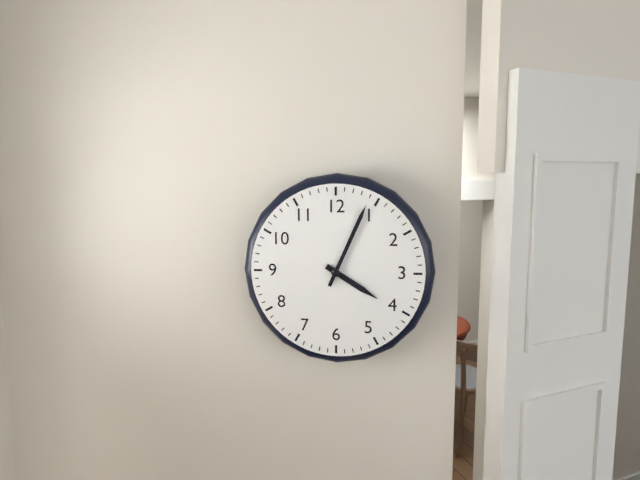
4:04
